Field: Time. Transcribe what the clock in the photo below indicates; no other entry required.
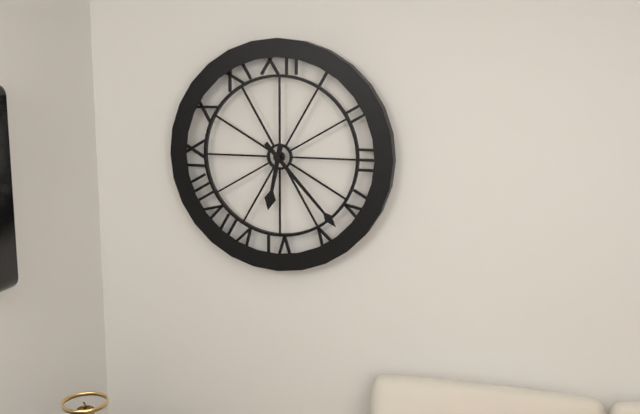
6:23
